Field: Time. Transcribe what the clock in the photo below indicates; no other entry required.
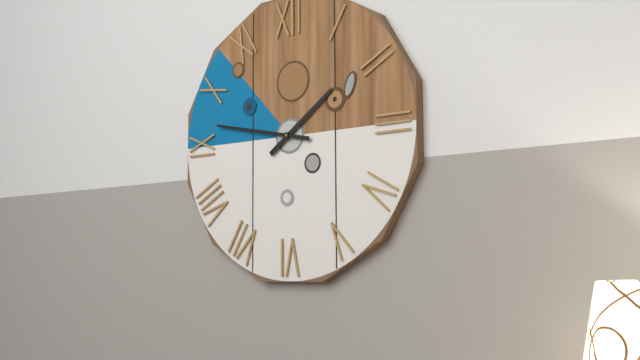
1:47
